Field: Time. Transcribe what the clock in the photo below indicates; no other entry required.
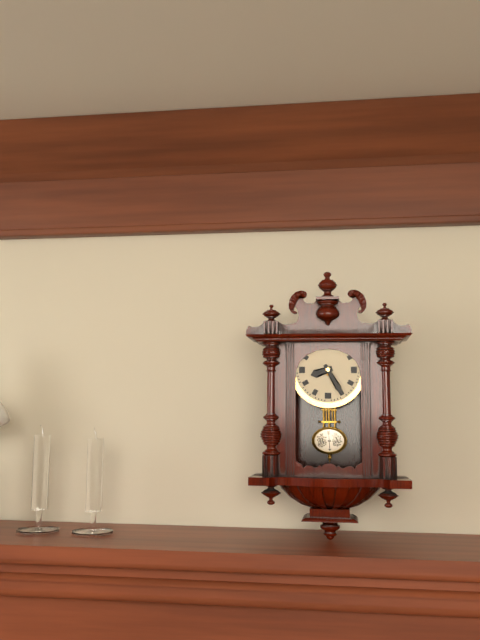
8:25
